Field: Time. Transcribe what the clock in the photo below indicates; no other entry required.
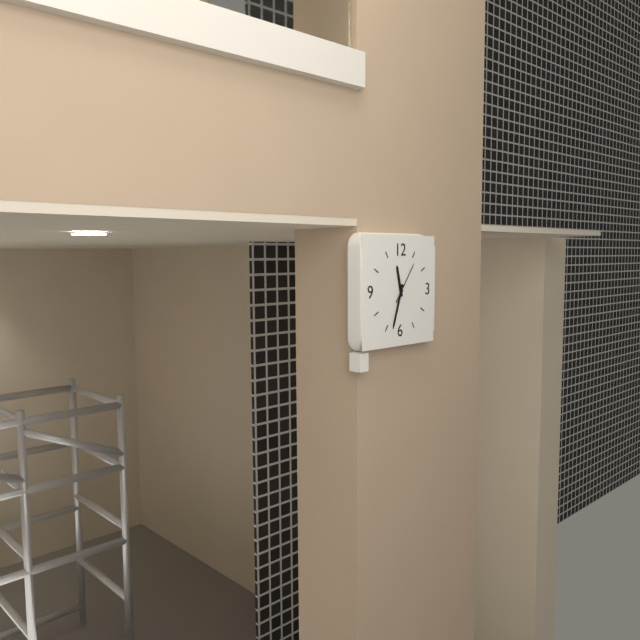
11:33
